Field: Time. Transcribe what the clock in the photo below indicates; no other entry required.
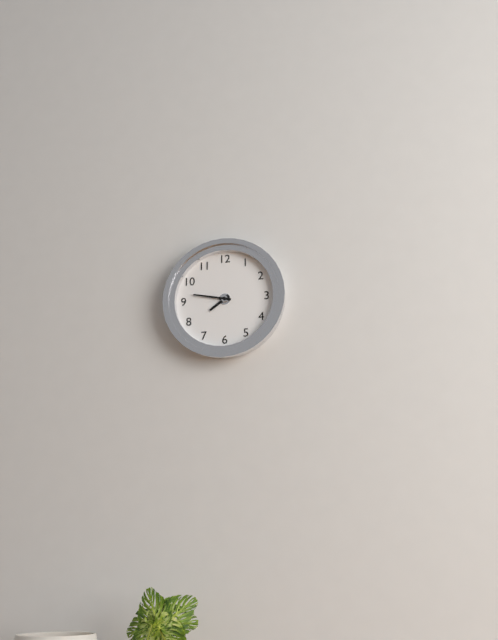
7:47
